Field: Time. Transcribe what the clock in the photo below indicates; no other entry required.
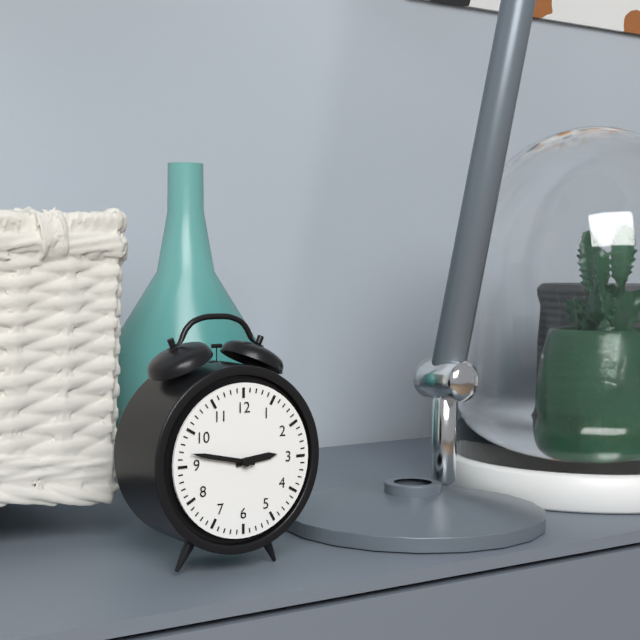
2:47
